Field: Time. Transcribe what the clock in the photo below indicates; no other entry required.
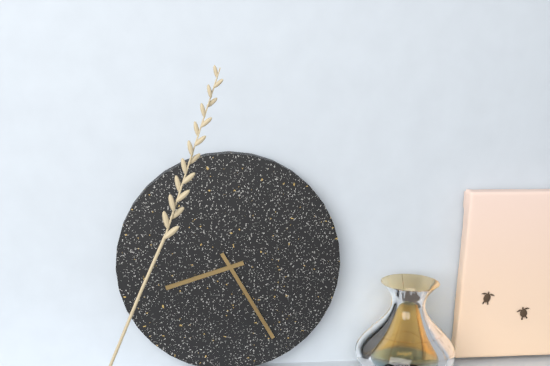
8:25
